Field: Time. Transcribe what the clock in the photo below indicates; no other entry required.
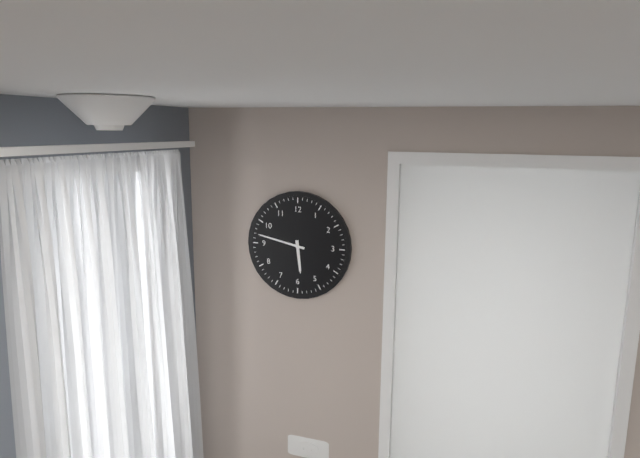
5:47
